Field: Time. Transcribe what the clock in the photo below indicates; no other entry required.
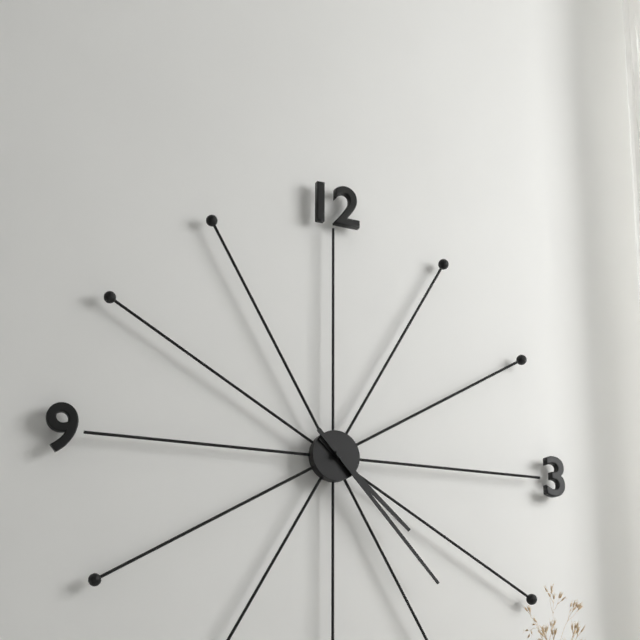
4:23
